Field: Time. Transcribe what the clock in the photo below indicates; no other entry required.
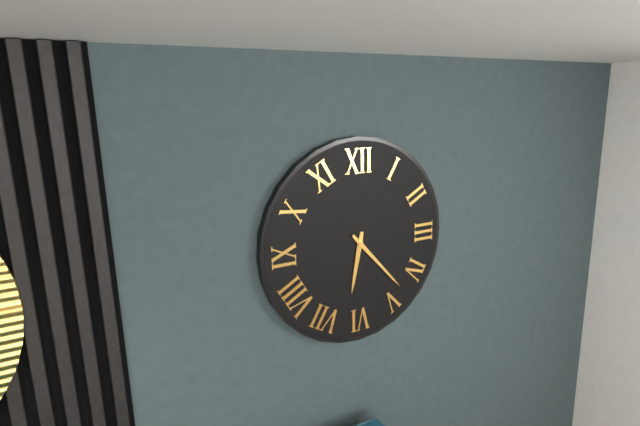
6:23
